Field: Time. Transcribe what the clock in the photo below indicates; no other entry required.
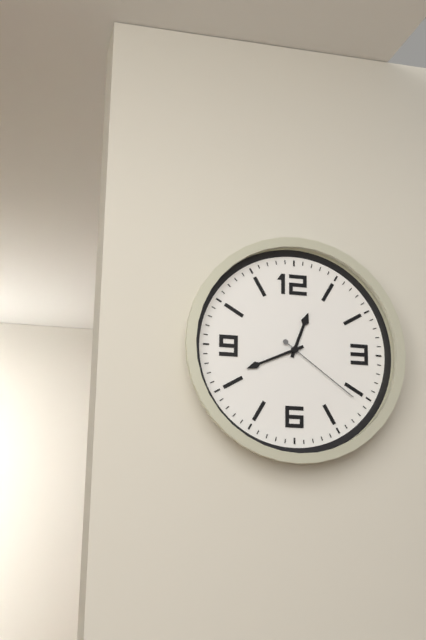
12:41:21
